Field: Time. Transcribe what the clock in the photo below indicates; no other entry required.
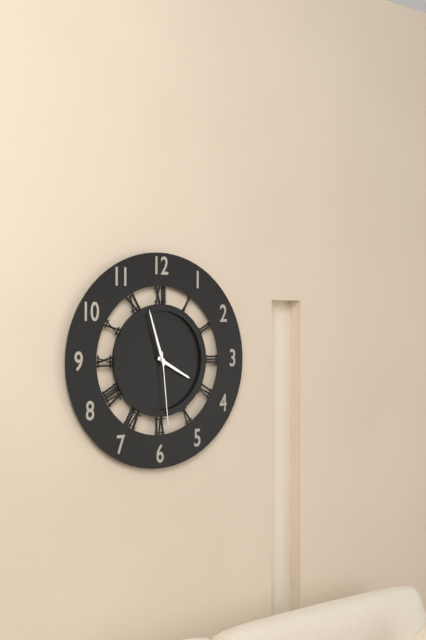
3:57:29
